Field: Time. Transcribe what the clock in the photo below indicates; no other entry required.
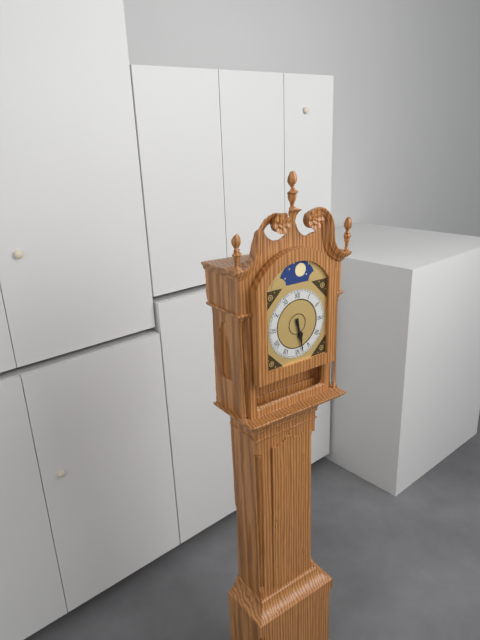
5:28
